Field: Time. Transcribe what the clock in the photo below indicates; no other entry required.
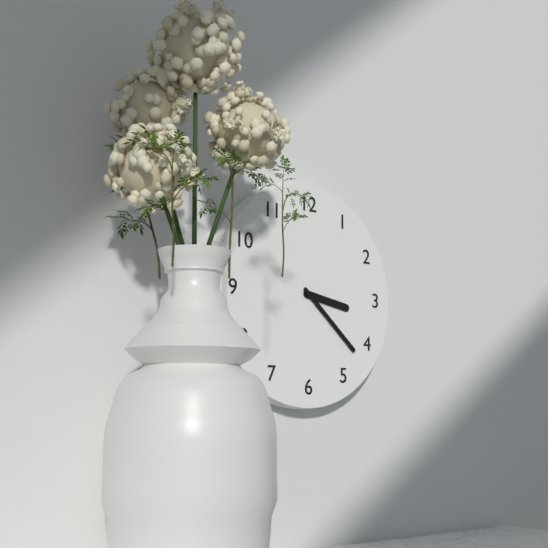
3:22
